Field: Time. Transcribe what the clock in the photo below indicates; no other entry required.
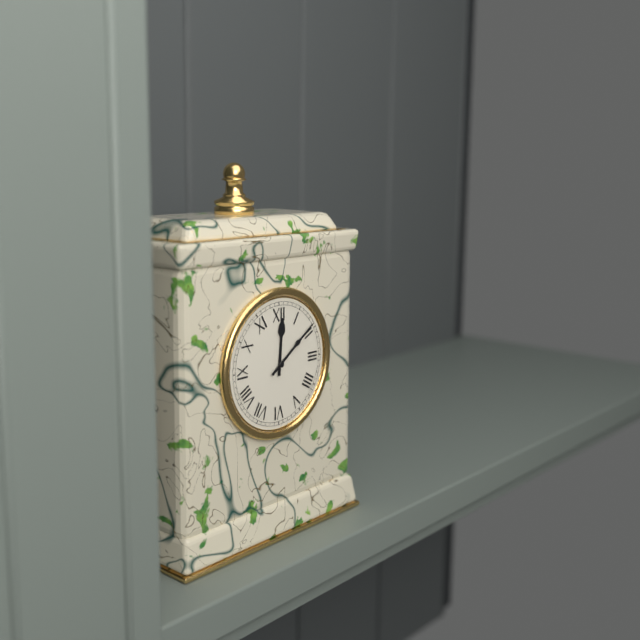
12:09
